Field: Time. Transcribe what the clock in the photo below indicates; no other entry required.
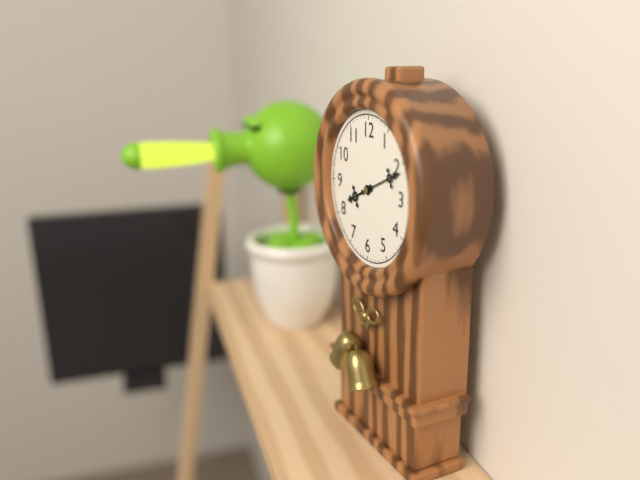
8:11
